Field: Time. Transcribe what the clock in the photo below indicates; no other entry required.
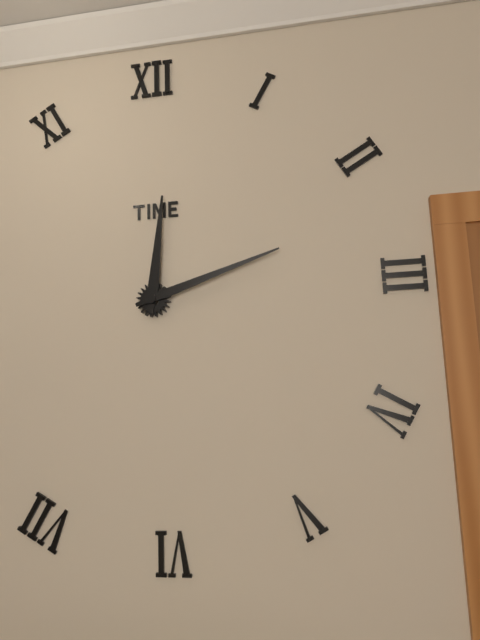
12:12
